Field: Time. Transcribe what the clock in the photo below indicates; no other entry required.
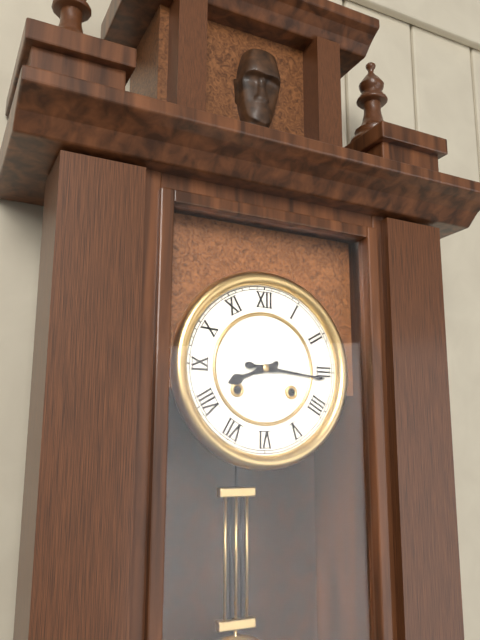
8:16
